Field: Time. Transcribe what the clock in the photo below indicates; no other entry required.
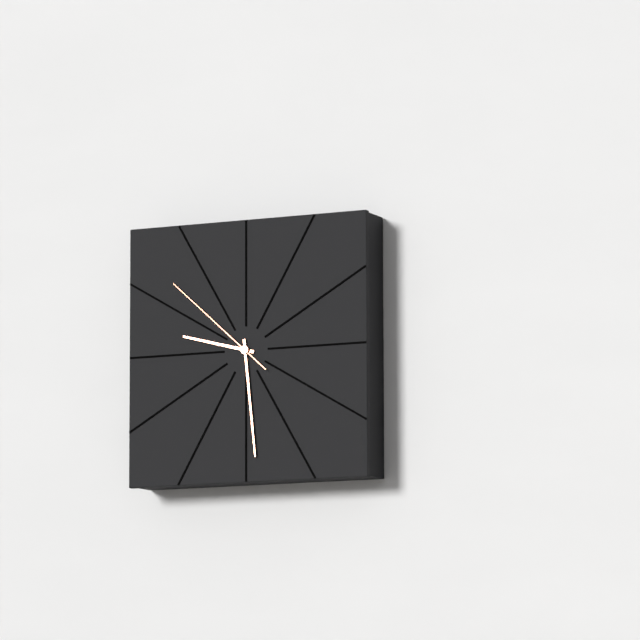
9:29:52
